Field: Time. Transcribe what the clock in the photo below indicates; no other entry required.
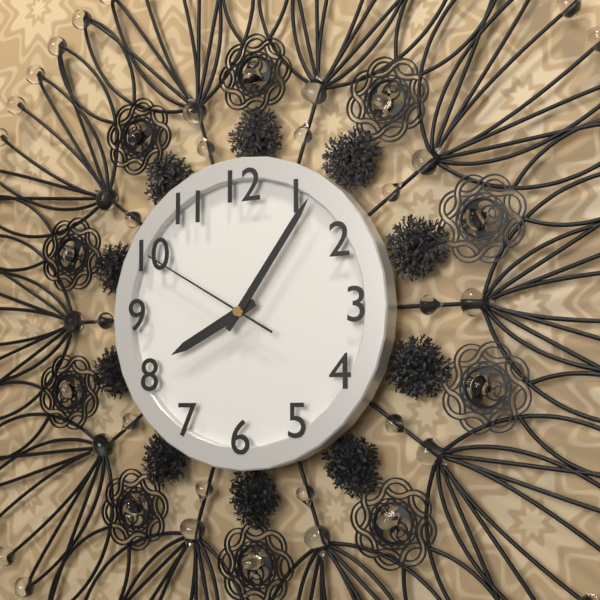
8:06:50
